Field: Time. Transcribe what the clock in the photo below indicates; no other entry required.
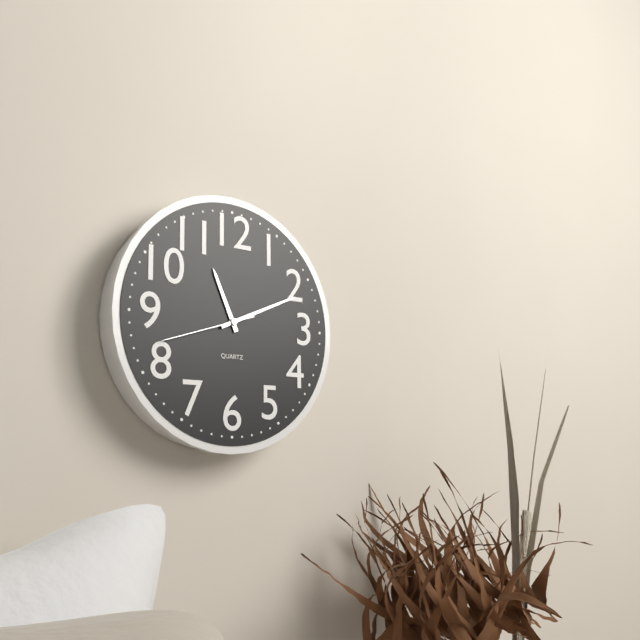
11:11:42
